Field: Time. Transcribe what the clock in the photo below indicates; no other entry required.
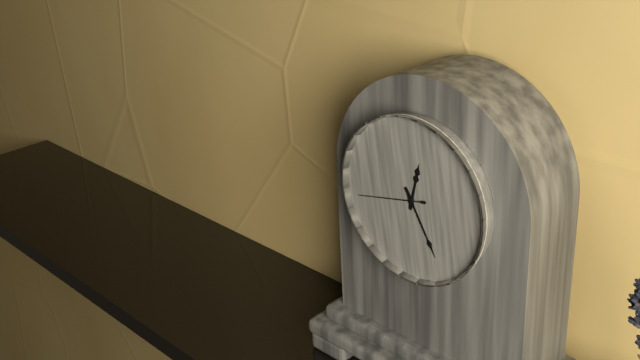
12:25:43
